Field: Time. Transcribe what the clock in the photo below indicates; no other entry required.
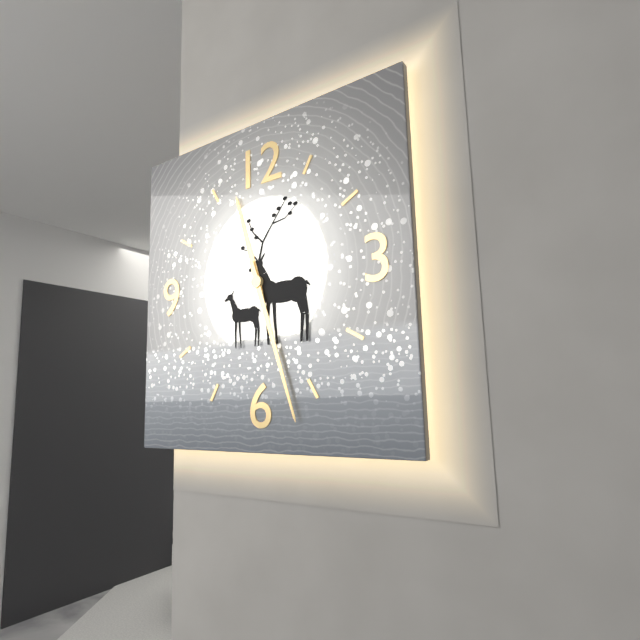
11:27
